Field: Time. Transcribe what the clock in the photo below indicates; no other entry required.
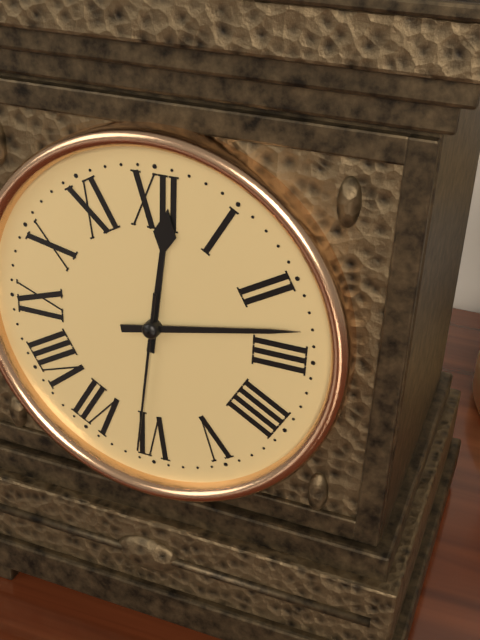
12:13:31
